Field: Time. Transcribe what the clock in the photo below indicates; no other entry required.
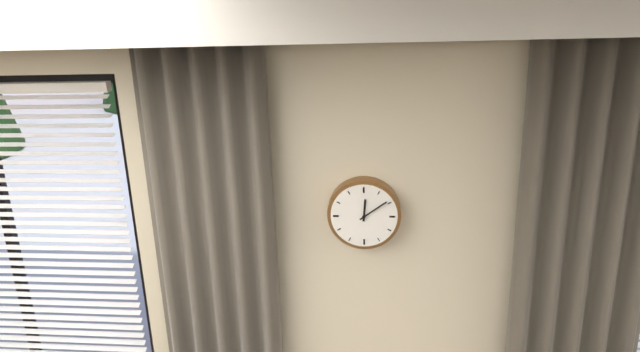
12:09
